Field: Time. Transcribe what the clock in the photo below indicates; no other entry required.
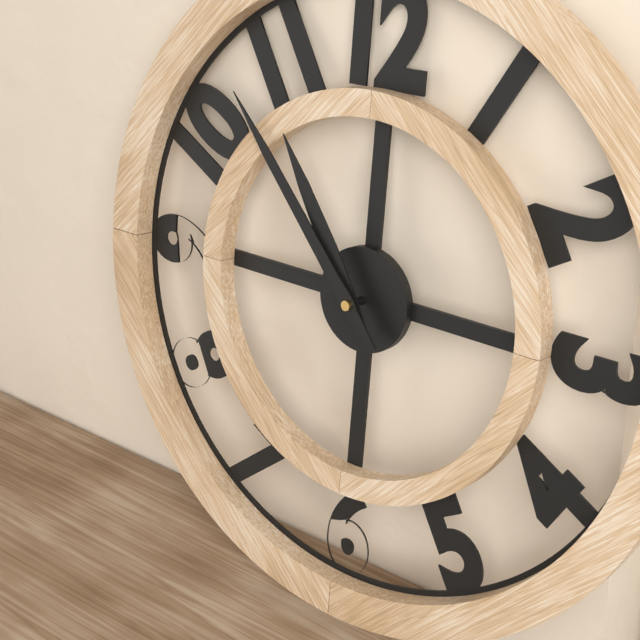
10:53
